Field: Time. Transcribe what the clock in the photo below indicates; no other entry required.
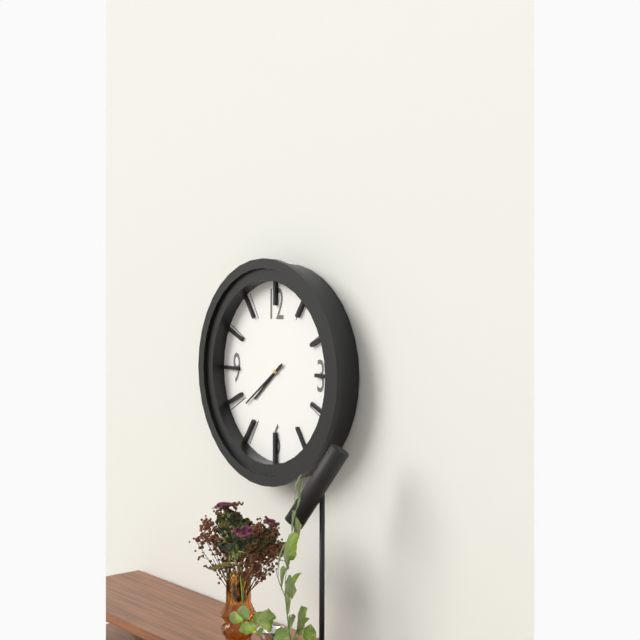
7:39
